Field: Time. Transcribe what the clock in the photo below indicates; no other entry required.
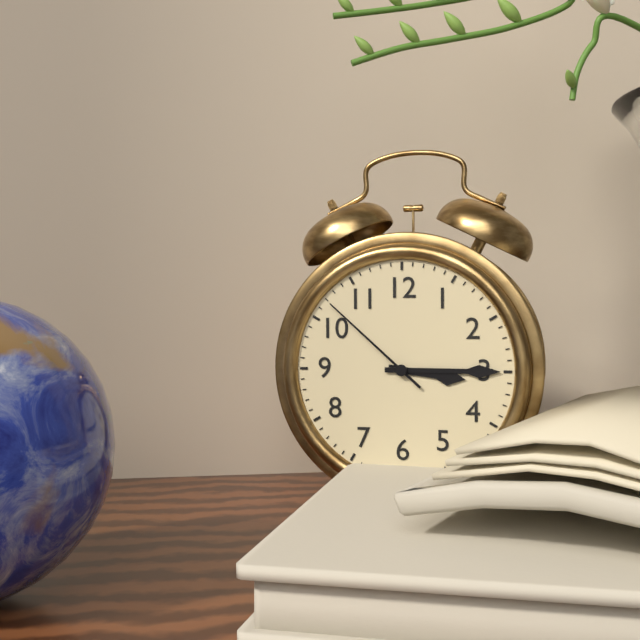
3:15:52
